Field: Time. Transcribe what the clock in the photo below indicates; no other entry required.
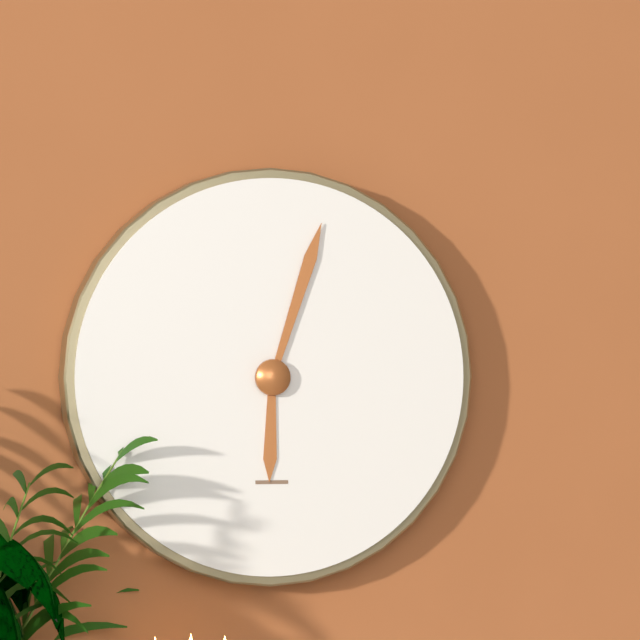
6:03
